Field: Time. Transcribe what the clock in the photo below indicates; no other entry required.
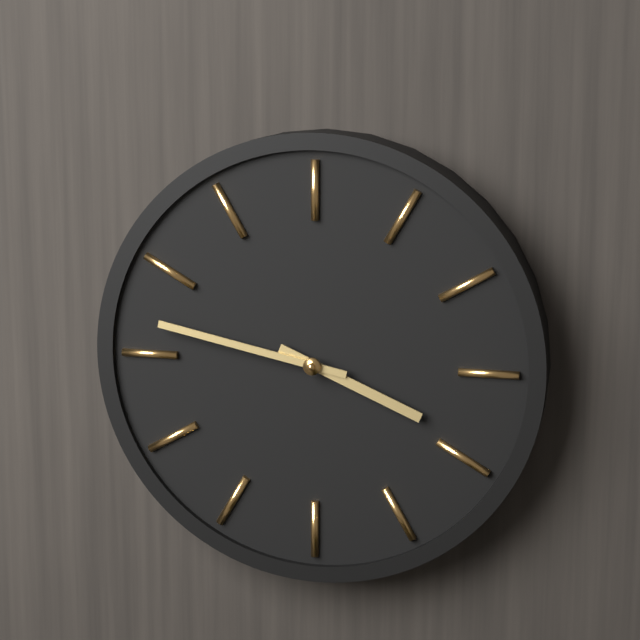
3:47
